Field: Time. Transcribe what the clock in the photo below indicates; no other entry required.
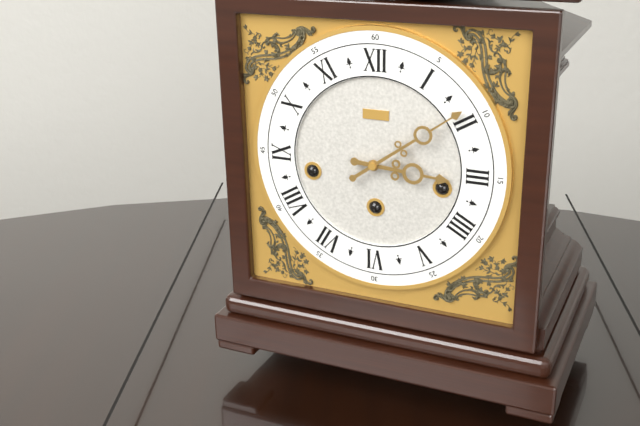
3:09
